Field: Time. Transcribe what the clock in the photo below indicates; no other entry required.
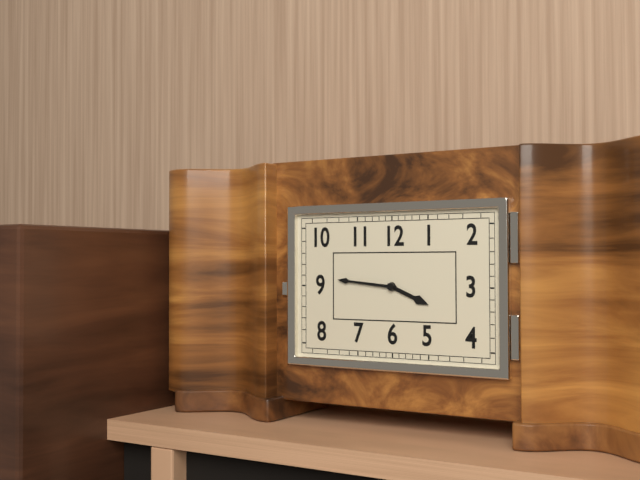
3:46
